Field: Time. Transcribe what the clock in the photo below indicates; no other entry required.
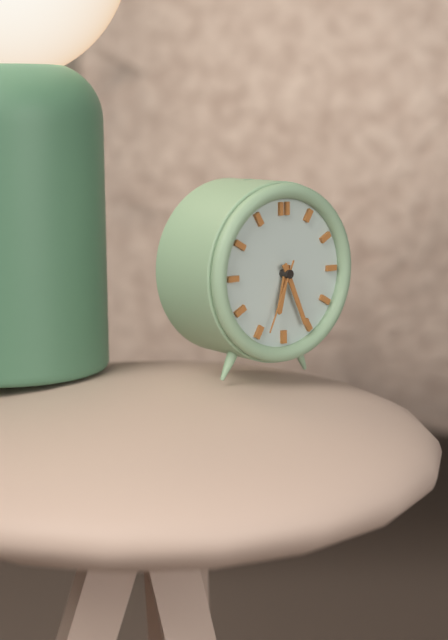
6:26:34
